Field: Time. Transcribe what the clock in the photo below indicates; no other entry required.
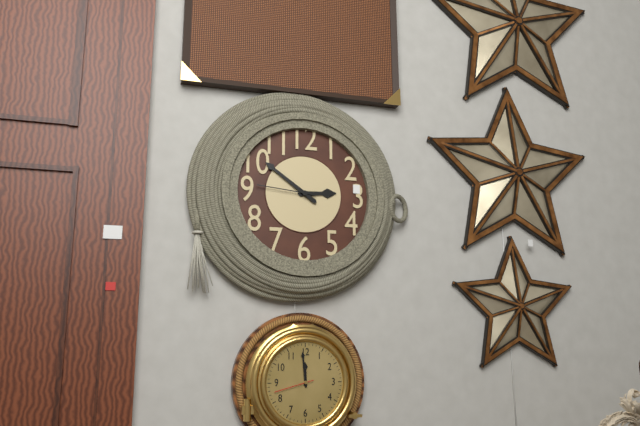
2:51:46
